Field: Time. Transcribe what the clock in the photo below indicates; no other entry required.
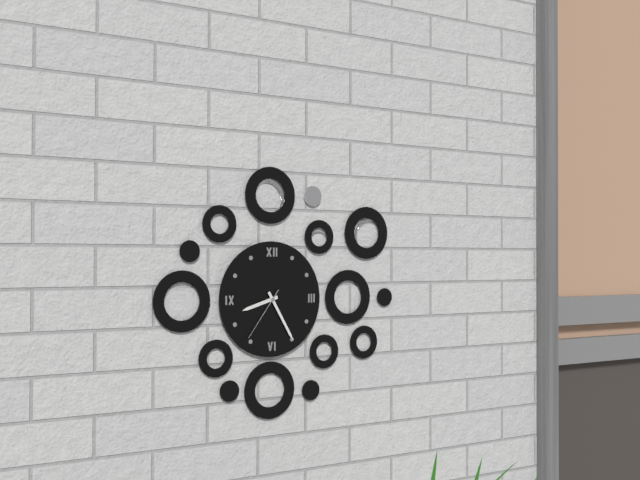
8:25:36
